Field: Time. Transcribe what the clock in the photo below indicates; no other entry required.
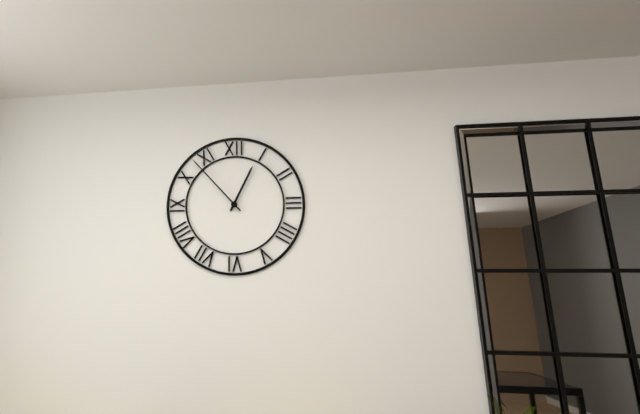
12:53
